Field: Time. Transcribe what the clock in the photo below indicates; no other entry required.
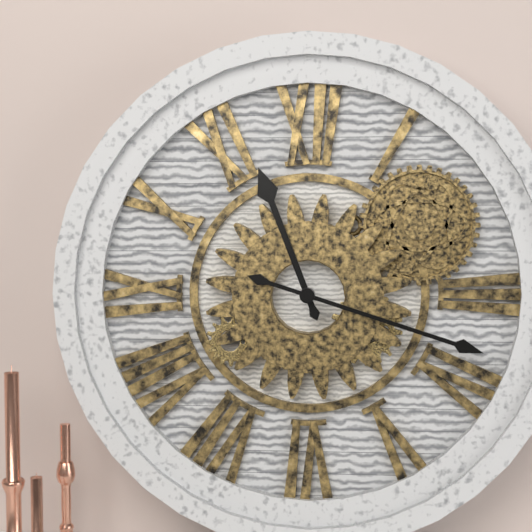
11:18
